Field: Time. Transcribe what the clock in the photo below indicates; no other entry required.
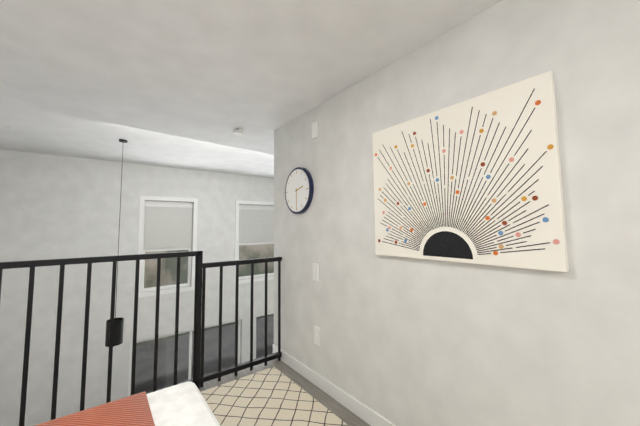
2:30
